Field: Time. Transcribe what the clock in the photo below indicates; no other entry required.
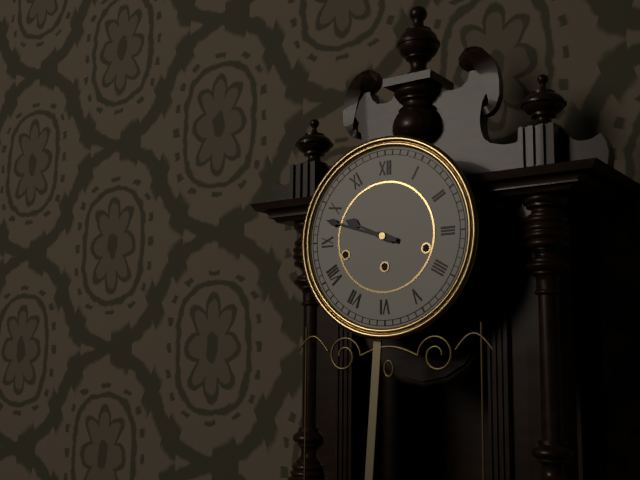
9:48
